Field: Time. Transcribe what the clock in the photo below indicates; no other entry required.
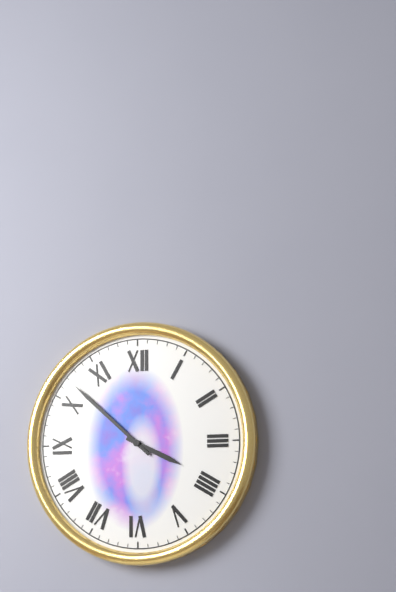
3:52
